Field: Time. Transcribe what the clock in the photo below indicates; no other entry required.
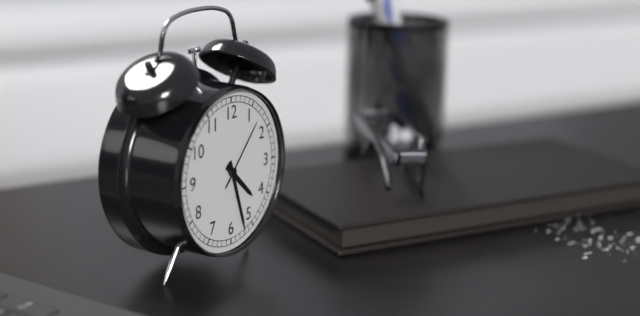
4:27:07
